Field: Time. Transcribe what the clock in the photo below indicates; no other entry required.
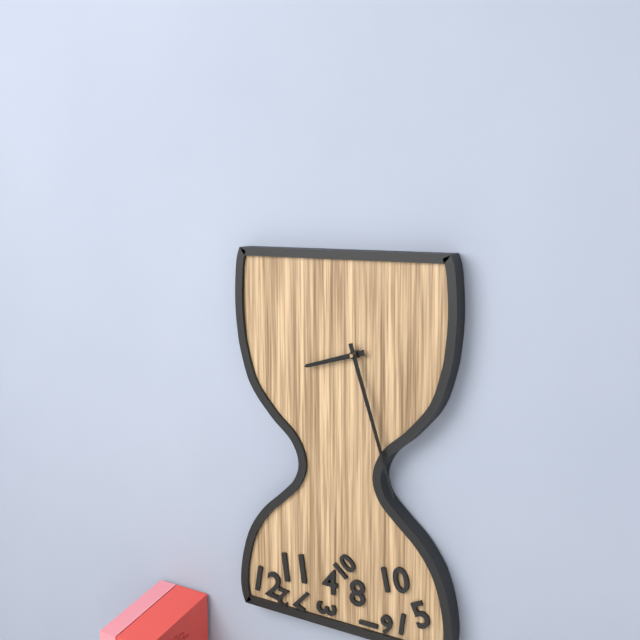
8:27
